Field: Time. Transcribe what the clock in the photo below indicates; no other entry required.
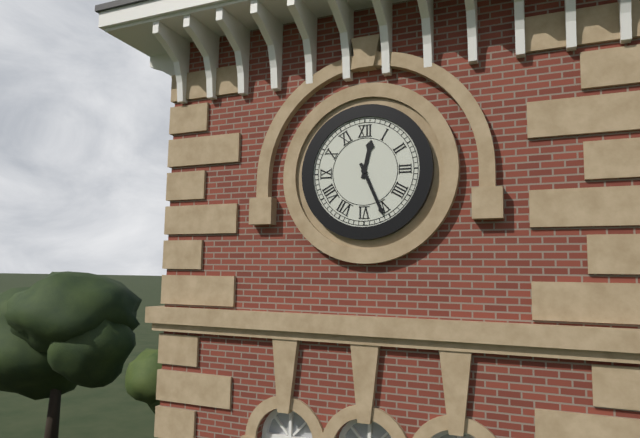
12:26
